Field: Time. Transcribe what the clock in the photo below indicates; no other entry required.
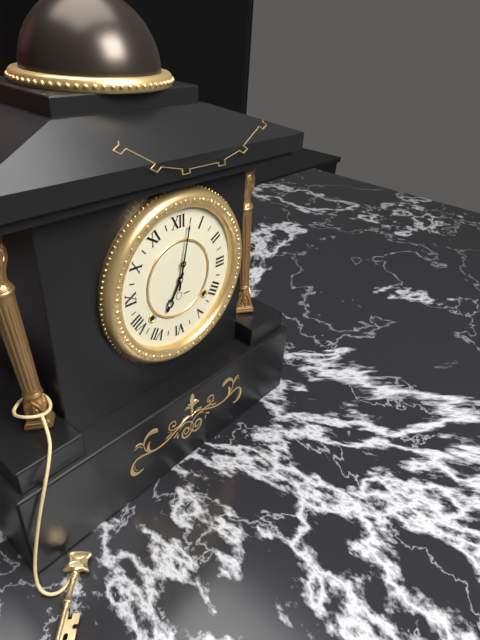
7:02
